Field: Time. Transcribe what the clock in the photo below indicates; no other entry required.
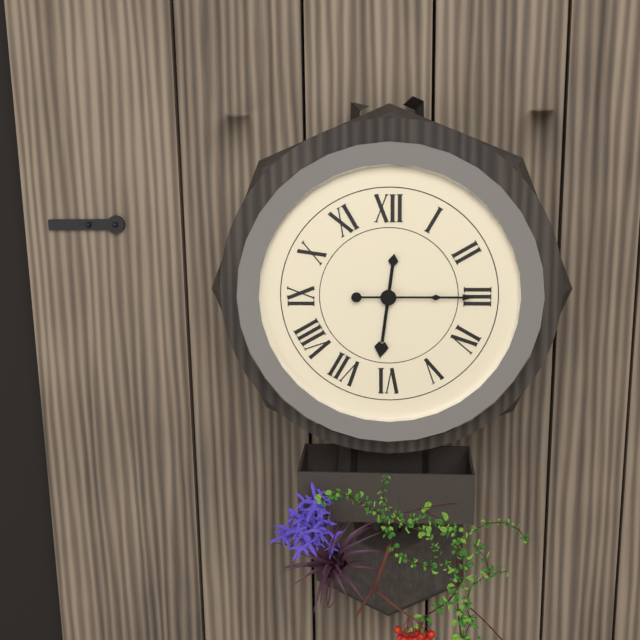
6:15
